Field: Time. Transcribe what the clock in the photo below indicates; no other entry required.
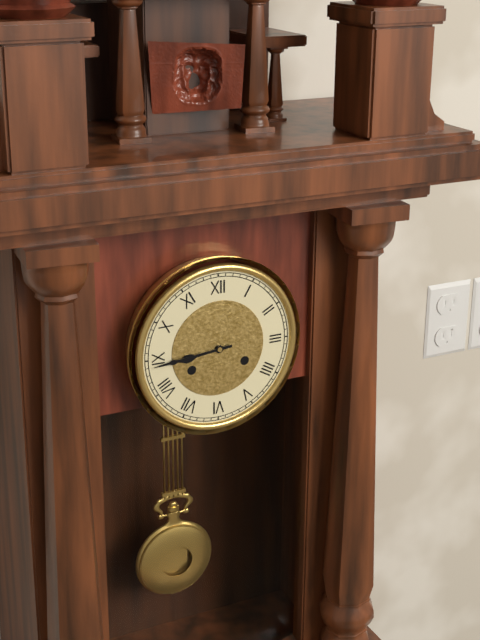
8:44
